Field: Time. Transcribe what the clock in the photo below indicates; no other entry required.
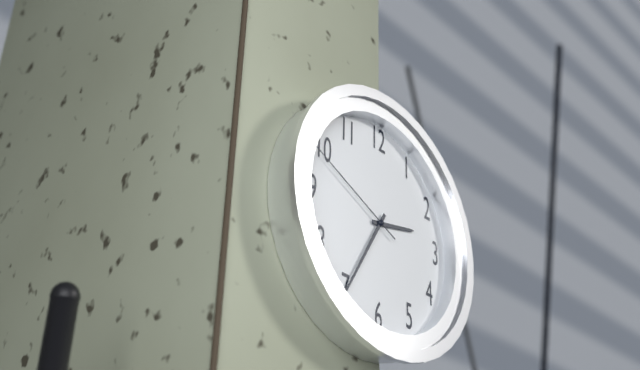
2:35:49
